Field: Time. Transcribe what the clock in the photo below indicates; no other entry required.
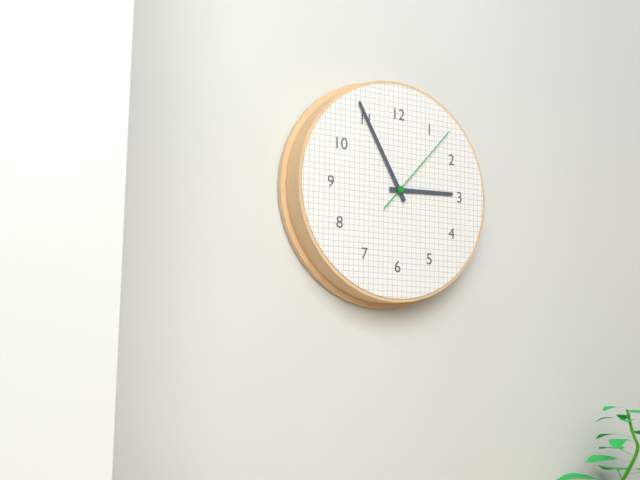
2:55:07
